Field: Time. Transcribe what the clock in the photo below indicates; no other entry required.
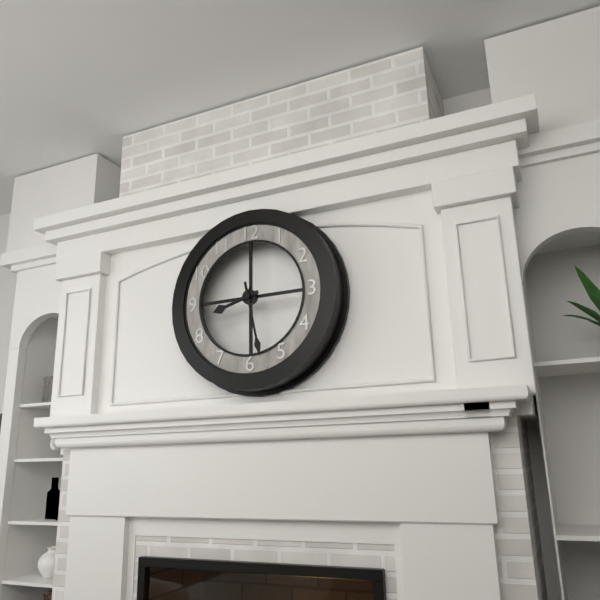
8:28
